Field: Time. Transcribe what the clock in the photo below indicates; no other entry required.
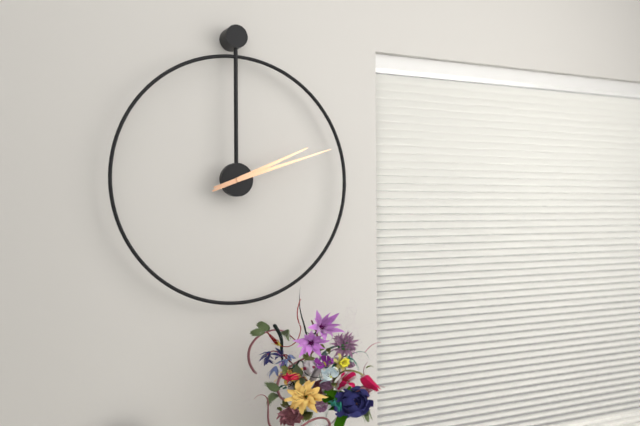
2:12
